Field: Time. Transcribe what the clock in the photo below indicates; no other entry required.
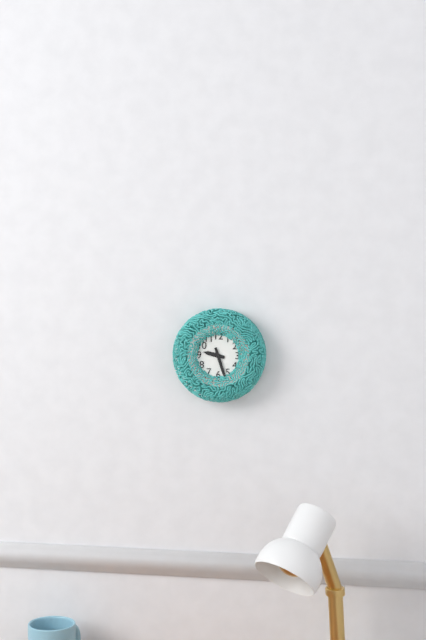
9:27
